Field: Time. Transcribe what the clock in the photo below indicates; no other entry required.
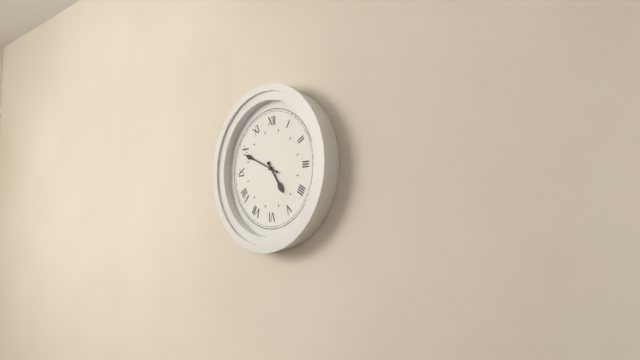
4:49
